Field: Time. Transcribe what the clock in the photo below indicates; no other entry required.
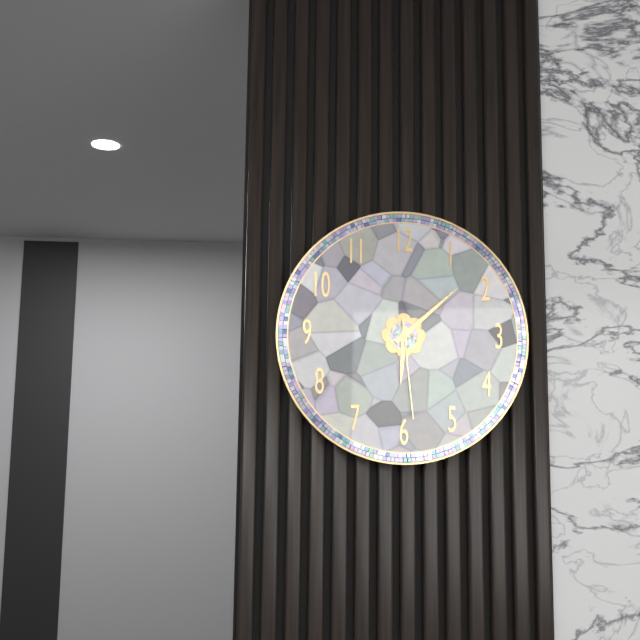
6:08:29
